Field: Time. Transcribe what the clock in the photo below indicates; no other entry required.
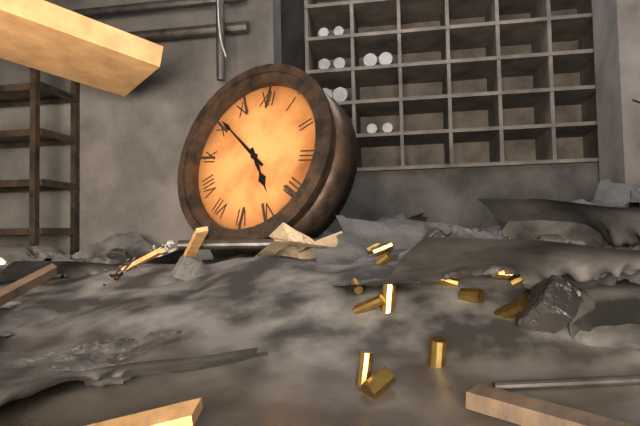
4:51
